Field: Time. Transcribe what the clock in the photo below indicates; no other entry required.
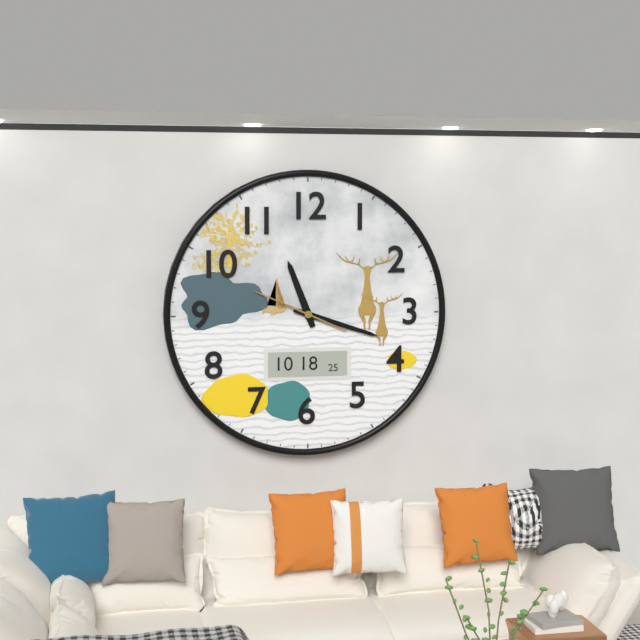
11:18:49
